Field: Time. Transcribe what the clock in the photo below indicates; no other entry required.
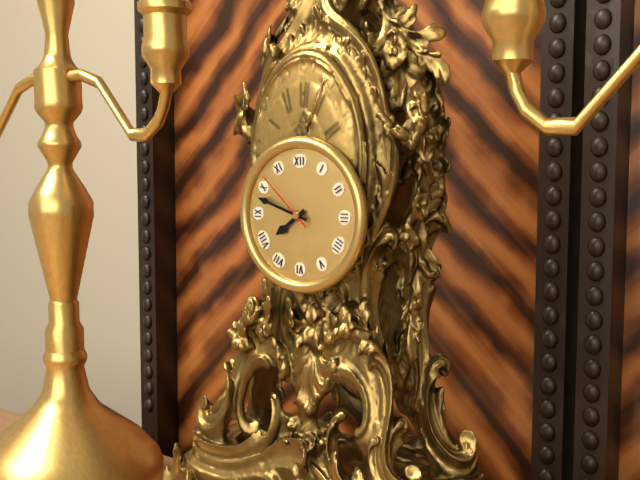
7:48:52
